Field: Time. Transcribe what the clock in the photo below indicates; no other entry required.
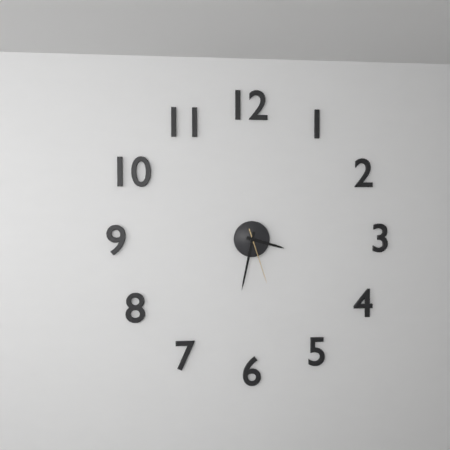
3:32:27
